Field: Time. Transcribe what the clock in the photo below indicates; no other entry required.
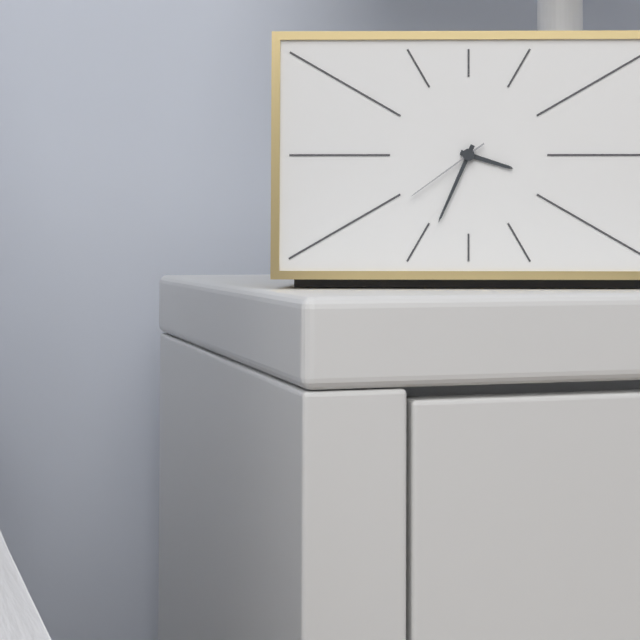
3:34:39
